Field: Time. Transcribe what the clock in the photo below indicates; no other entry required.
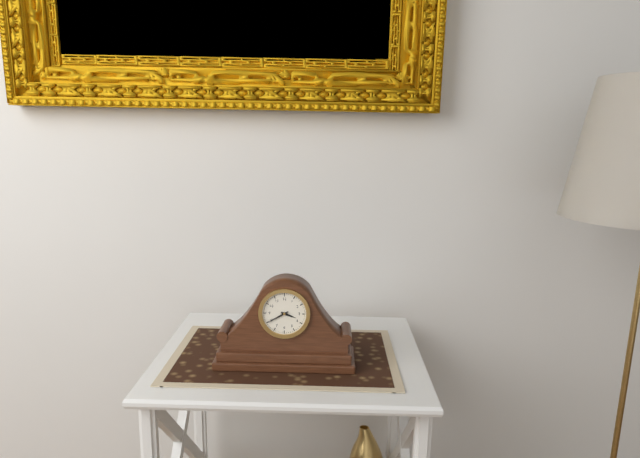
3:40
